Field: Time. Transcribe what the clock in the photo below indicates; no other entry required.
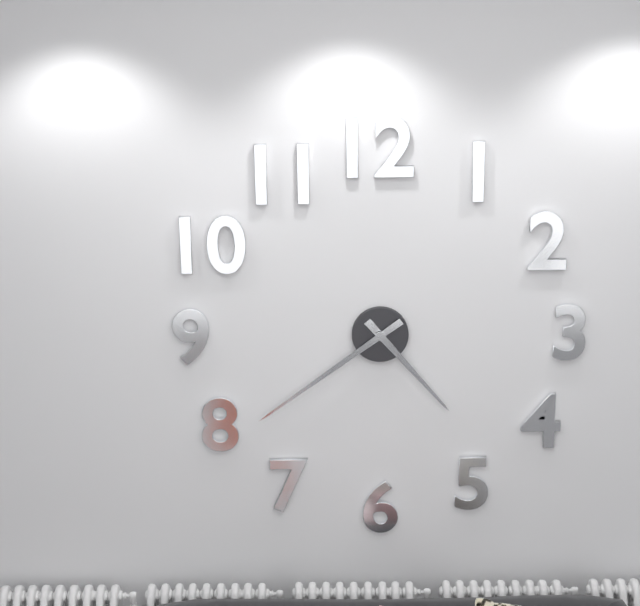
4:39
